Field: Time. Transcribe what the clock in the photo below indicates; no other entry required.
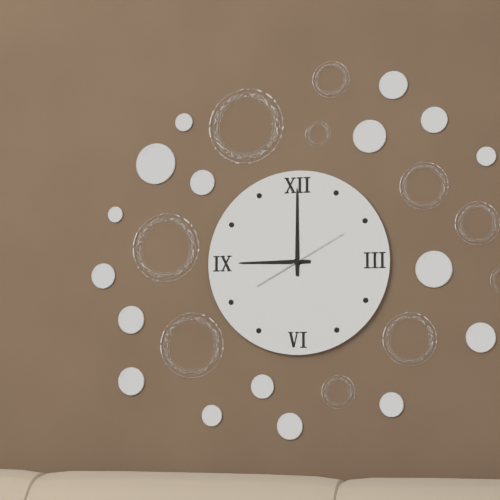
9:00:10
